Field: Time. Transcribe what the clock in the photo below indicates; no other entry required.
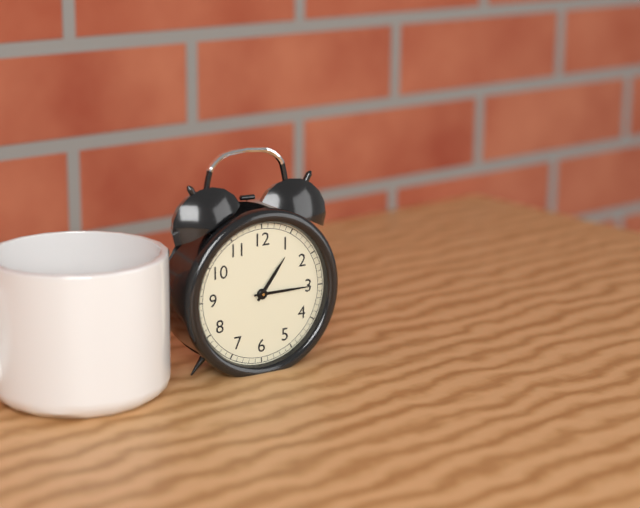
1:15
